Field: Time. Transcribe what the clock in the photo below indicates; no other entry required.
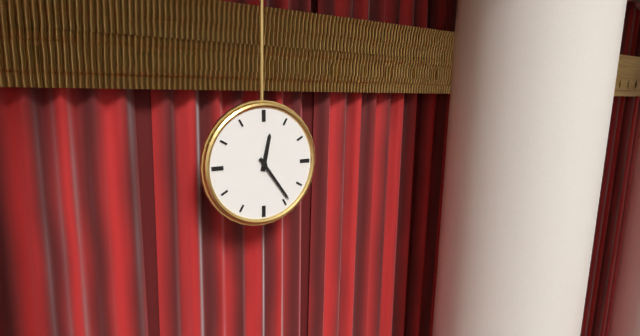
12:24
